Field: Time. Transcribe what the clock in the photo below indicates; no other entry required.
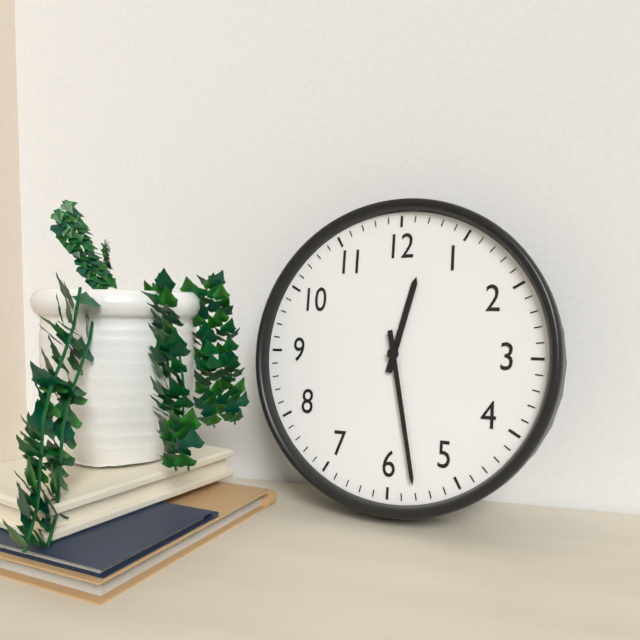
12:28
